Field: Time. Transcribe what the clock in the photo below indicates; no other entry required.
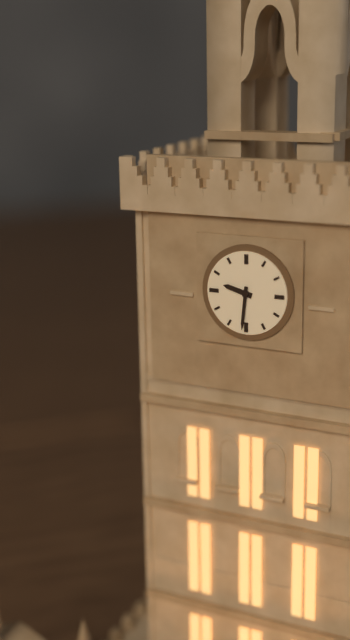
9:31
